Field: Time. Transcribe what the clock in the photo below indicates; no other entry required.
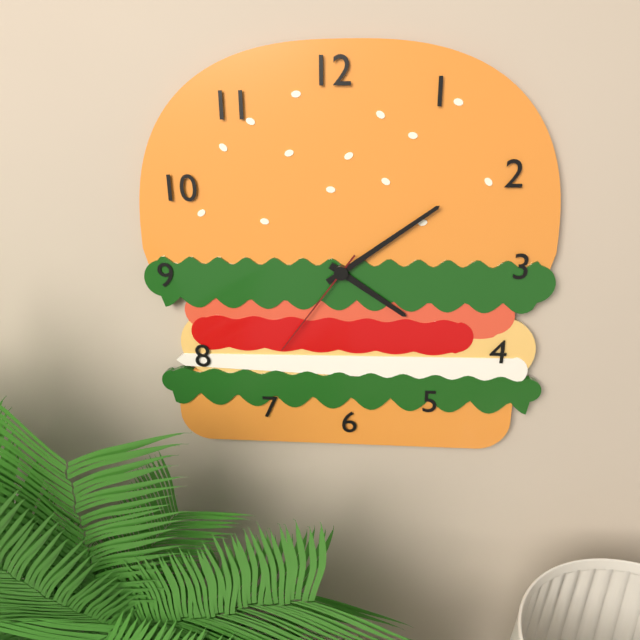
4:09:36
